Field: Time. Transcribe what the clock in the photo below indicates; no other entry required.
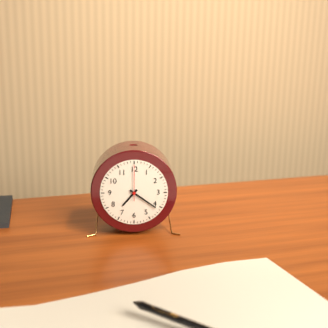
7:21
